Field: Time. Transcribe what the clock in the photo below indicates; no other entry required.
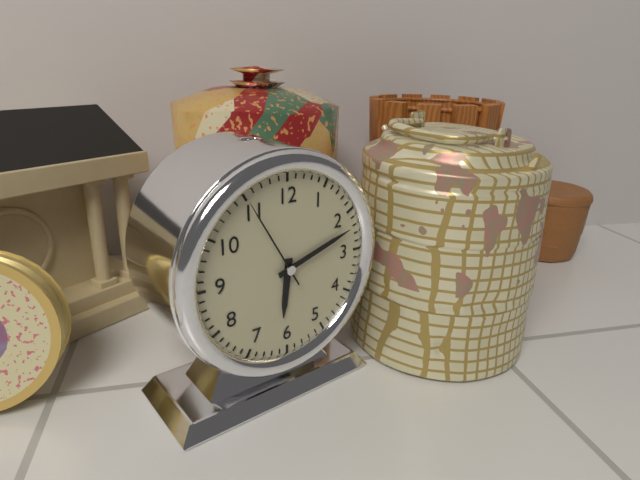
6:12:55
